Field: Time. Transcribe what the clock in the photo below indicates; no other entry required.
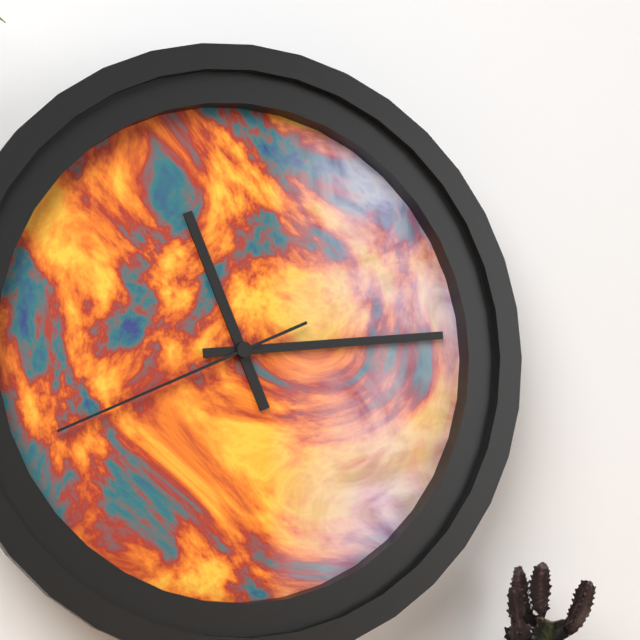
11:14:41
